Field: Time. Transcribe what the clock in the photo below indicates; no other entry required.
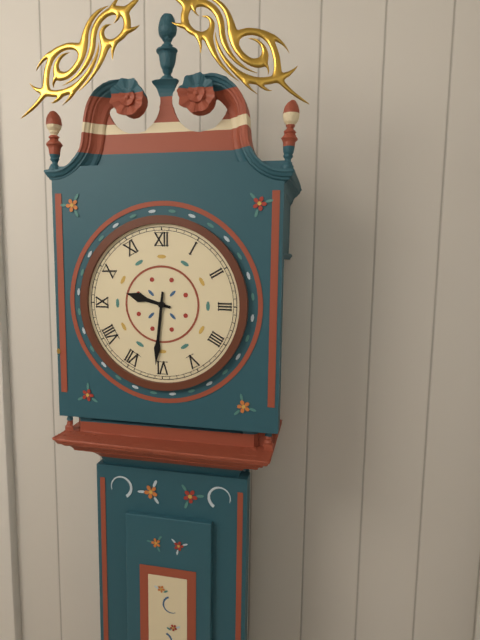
9:31
